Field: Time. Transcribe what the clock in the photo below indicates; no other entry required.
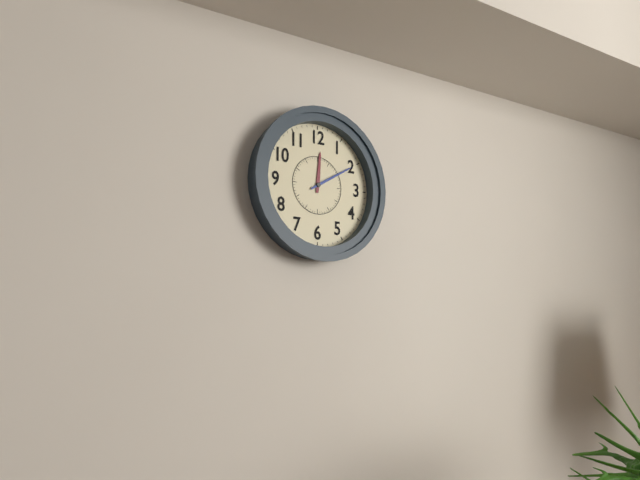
12:10
